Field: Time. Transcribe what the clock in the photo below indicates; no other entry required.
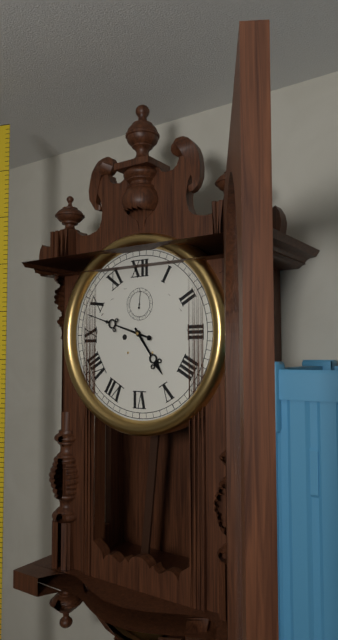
4:48
